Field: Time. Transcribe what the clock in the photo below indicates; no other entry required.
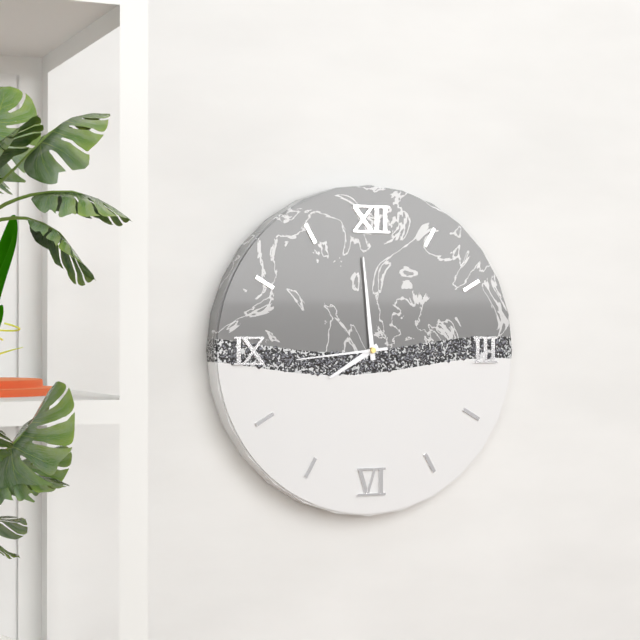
7:59:44
